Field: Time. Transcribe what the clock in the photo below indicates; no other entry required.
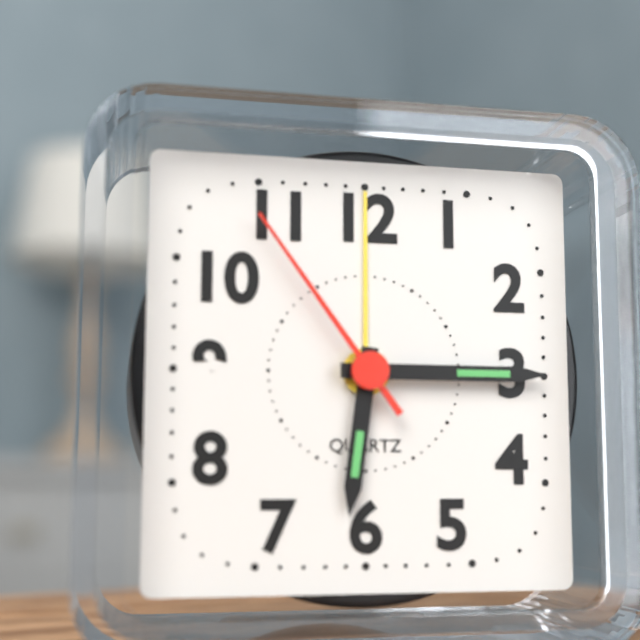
6:15:54
